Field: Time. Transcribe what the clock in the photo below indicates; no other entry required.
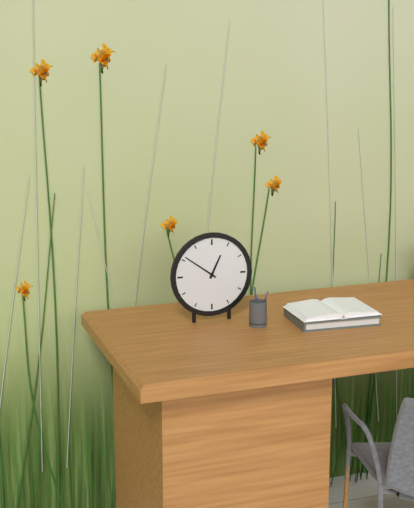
12:51
